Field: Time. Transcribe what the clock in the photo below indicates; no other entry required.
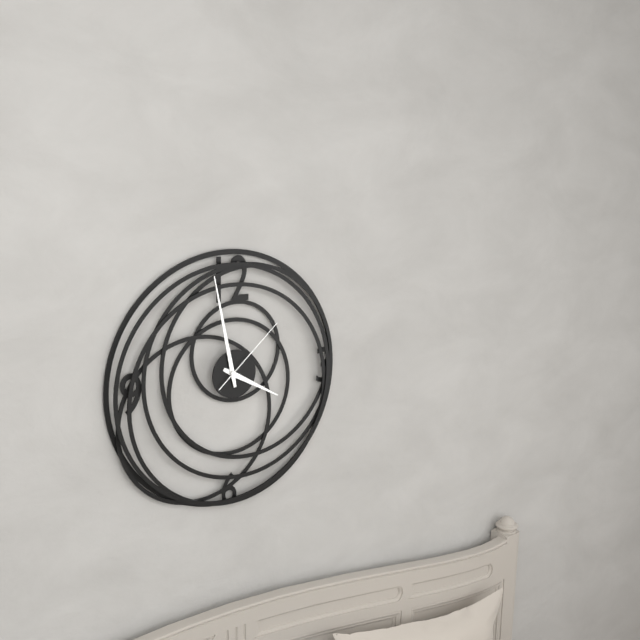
3:58:08
